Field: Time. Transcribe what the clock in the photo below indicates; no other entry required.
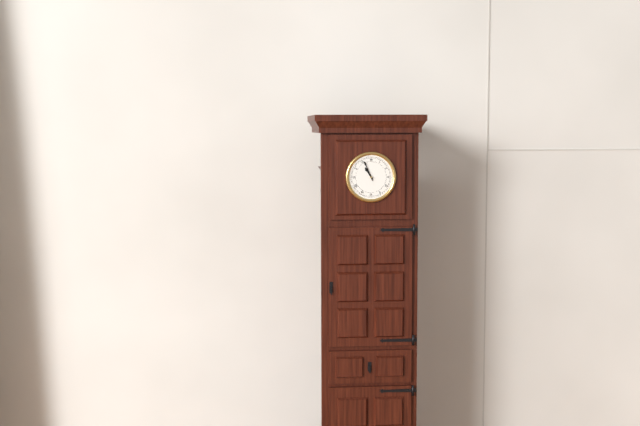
10:56
